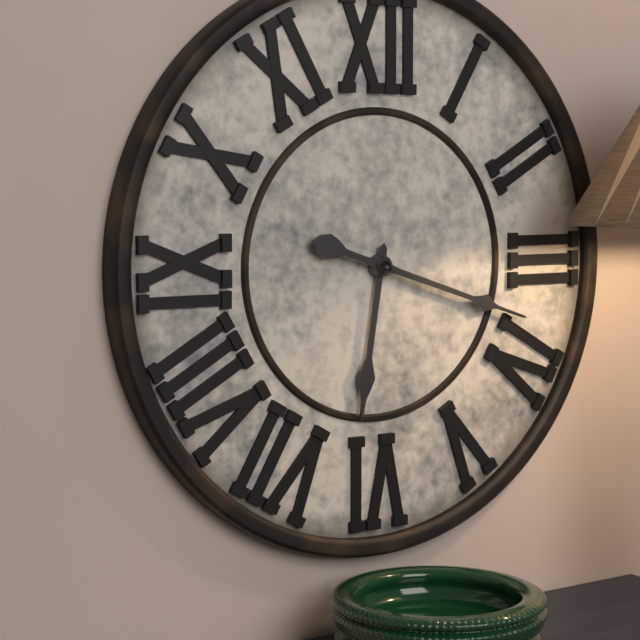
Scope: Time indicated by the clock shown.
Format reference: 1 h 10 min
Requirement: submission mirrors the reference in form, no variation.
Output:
6 h 18 min
